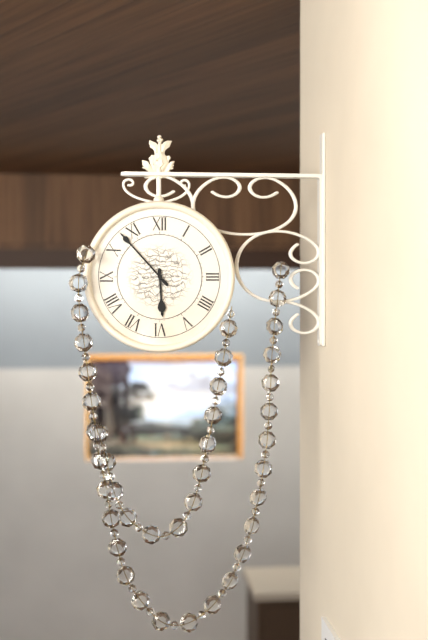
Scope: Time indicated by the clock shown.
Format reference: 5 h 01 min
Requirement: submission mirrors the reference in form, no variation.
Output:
5 h 53 min
